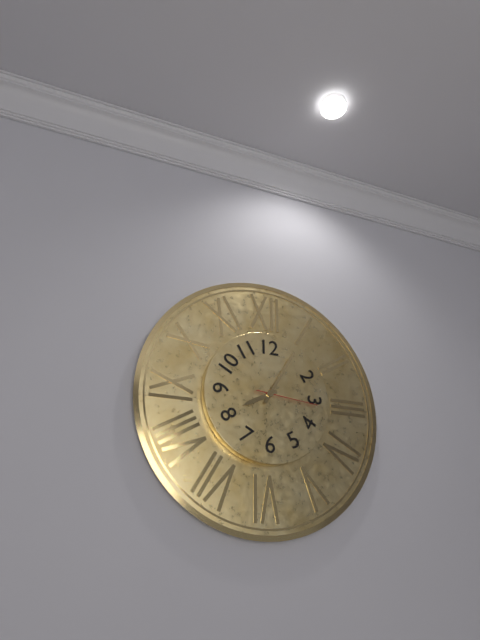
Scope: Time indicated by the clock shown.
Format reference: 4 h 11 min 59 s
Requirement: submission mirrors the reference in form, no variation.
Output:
8 h 05 min 16 s
